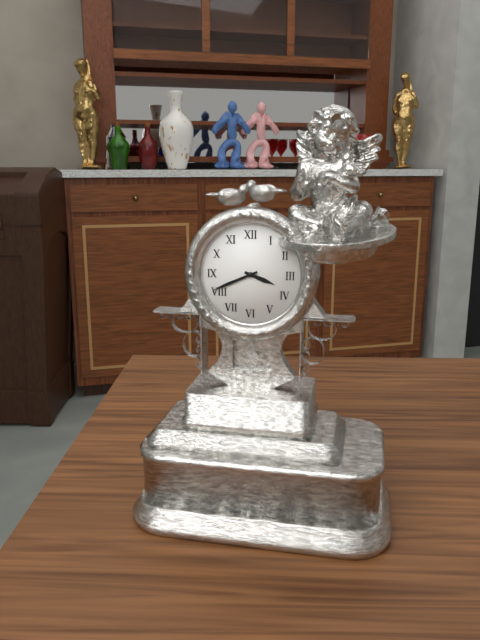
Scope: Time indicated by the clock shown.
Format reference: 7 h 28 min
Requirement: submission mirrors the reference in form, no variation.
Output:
3 h 41 min
